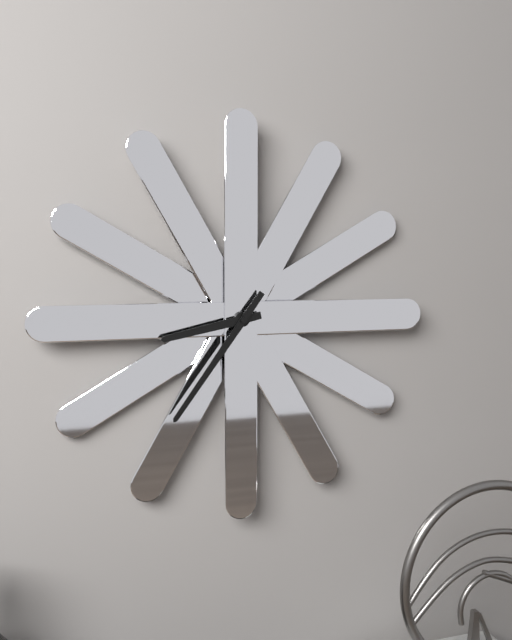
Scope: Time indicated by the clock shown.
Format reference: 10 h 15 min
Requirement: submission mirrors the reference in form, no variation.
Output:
8 h 36 min
